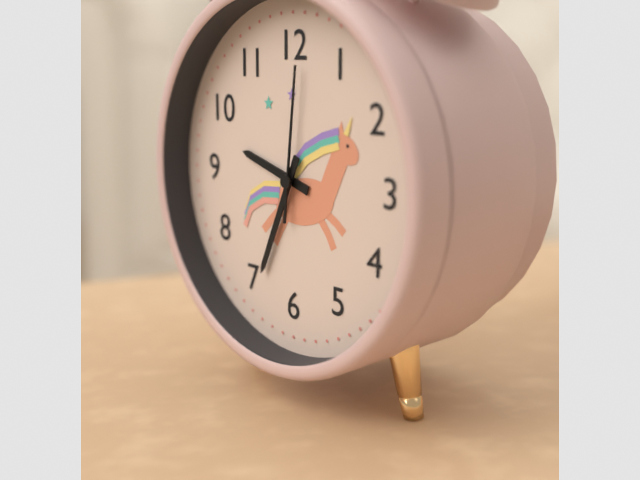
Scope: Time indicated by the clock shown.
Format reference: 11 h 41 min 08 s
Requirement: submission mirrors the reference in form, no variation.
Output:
9 h 34 min 01 s
